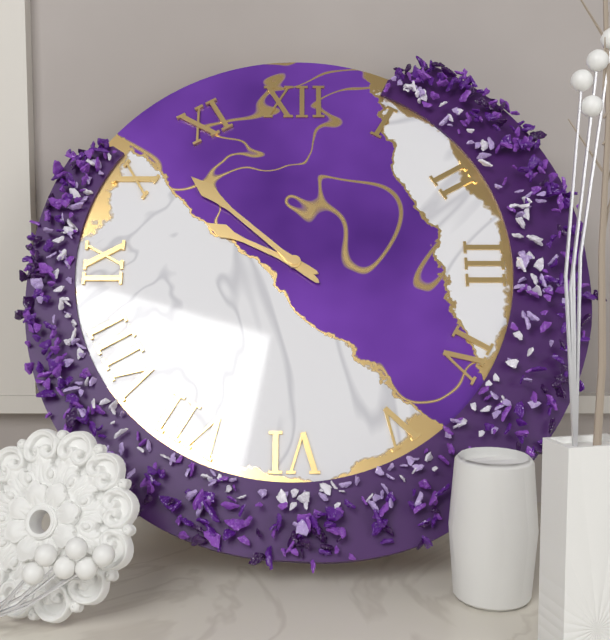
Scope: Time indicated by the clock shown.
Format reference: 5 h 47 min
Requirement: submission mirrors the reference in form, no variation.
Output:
9 h 52 min
